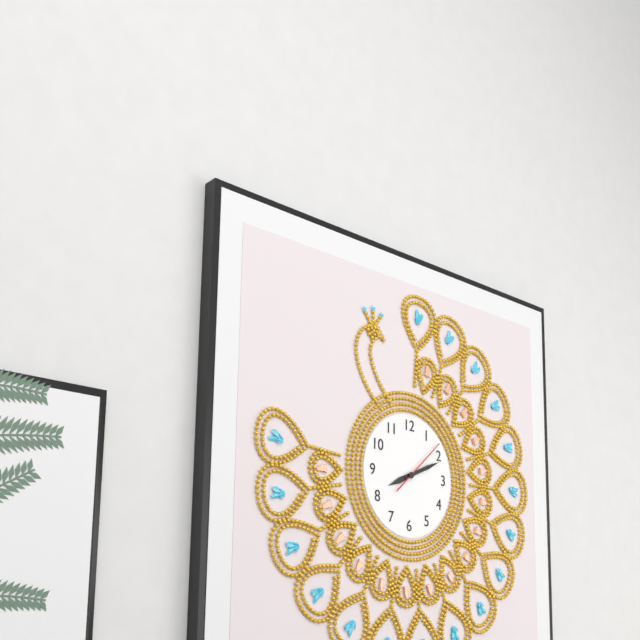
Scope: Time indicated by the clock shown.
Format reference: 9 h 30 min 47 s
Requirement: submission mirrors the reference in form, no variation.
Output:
8 h 11 min 08 s
